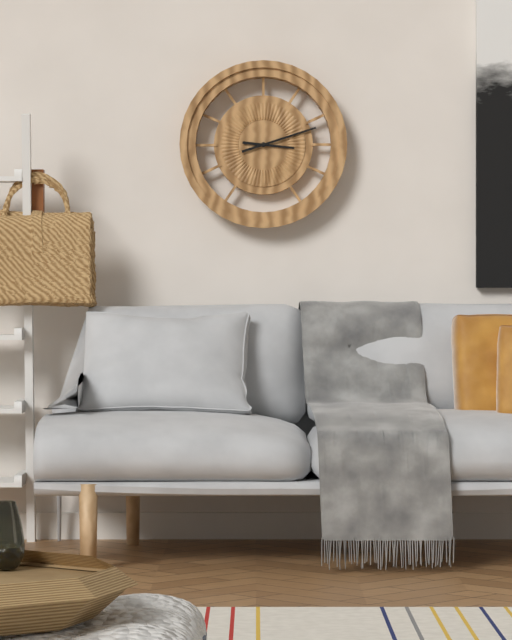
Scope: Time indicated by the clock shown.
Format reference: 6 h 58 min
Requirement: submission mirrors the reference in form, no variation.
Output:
3 h 12 min
